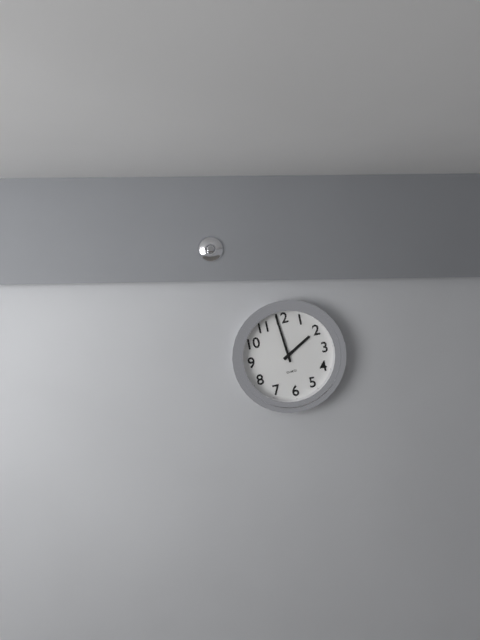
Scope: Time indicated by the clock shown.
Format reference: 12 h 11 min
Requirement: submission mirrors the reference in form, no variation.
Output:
1 h 59 min
